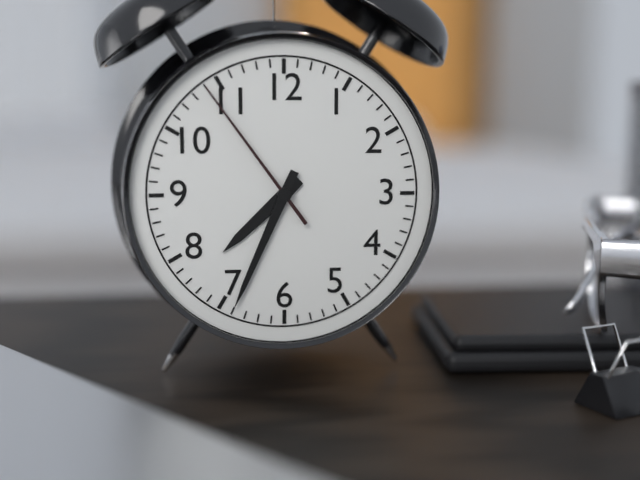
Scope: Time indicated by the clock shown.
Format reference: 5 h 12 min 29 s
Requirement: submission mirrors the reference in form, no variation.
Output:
7 h 34 min 54 s
